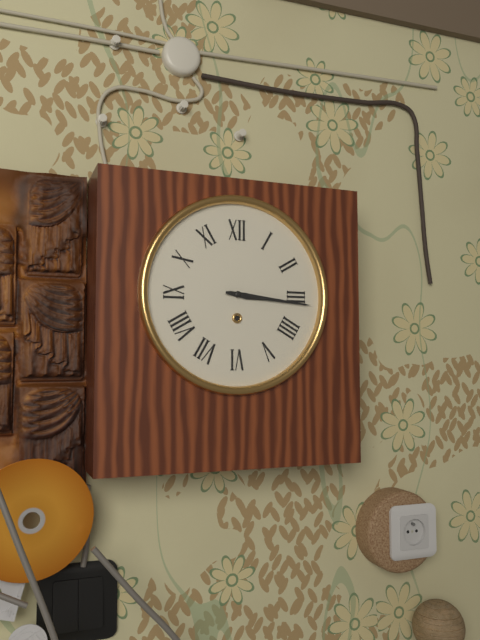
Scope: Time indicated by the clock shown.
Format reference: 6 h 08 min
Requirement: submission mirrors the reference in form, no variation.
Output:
3 h 16 min
